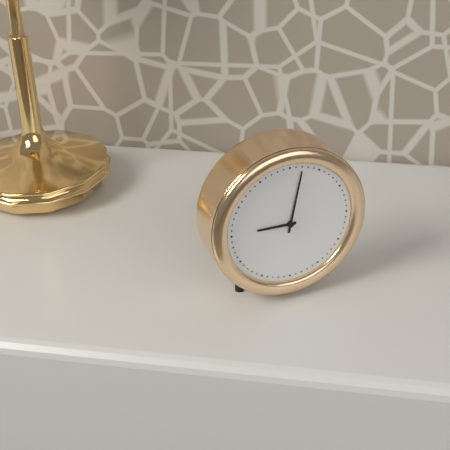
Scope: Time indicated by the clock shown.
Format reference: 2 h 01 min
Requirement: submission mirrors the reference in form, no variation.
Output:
9 h 02 min
